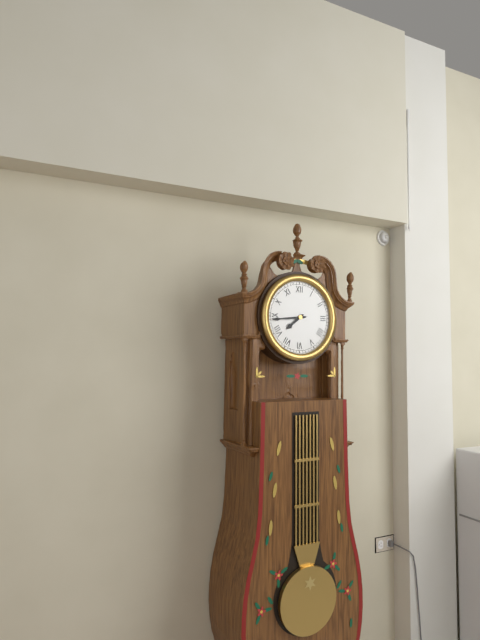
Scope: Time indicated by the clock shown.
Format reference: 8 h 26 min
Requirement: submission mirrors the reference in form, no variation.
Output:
7 h 44 min
